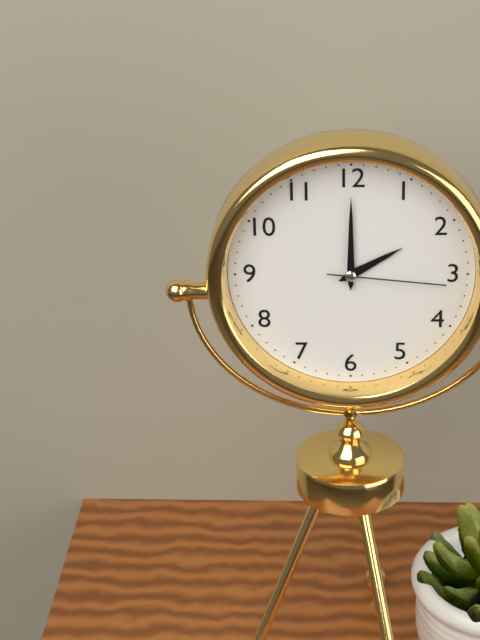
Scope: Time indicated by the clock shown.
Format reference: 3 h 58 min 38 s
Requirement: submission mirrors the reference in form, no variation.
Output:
2 h 00 min 16 s
